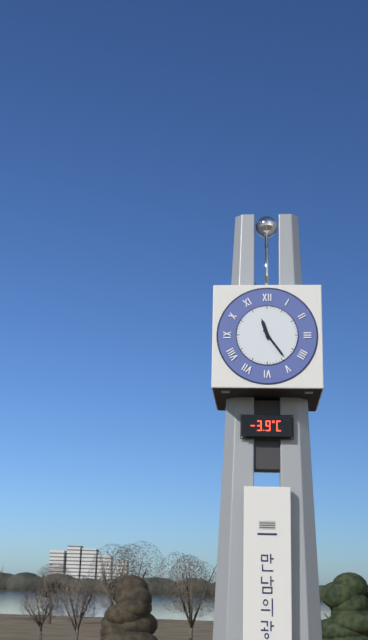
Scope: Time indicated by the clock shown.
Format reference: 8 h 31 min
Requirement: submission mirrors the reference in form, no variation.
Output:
11 h 24 min
